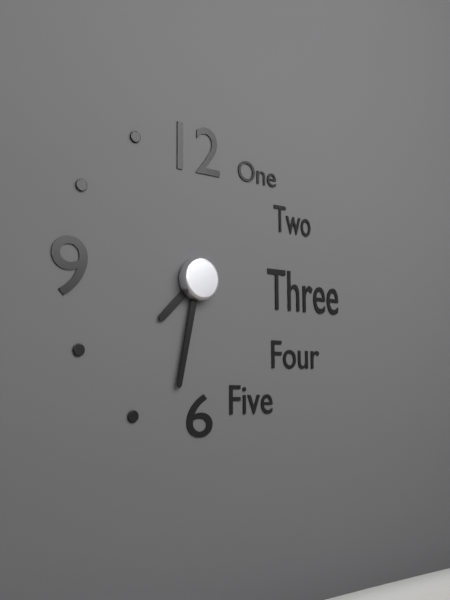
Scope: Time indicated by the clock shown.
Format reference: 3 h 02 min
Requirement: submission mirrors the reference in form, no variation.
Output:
7 h 32 min
